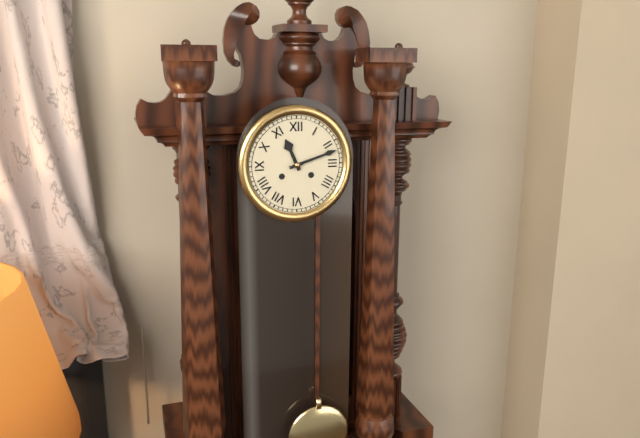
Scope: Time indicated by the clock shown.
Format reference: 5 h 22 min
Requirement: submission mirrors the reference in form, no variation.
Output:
11 h 12 min
